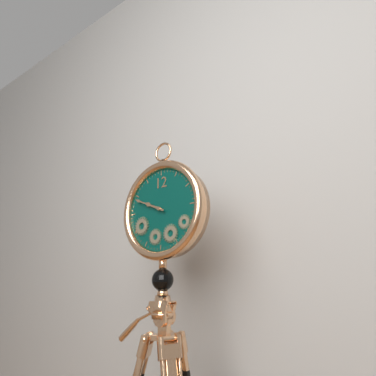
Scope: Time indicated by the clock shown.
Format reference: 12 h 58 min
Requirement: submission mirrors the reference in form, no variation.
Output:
9 h 49 min
